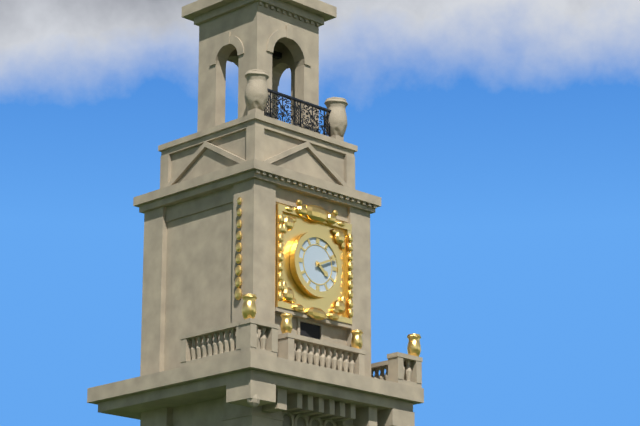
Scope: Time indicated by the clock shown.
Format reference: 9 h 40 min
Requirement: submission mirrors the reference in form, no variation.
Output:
4 h 11 min
